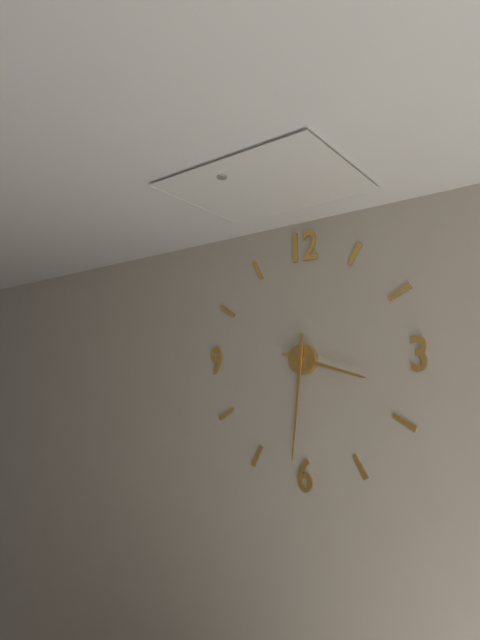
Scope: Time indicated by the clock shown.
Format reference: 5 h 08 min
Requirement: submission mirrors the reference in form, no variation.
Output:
3 h 31 min
